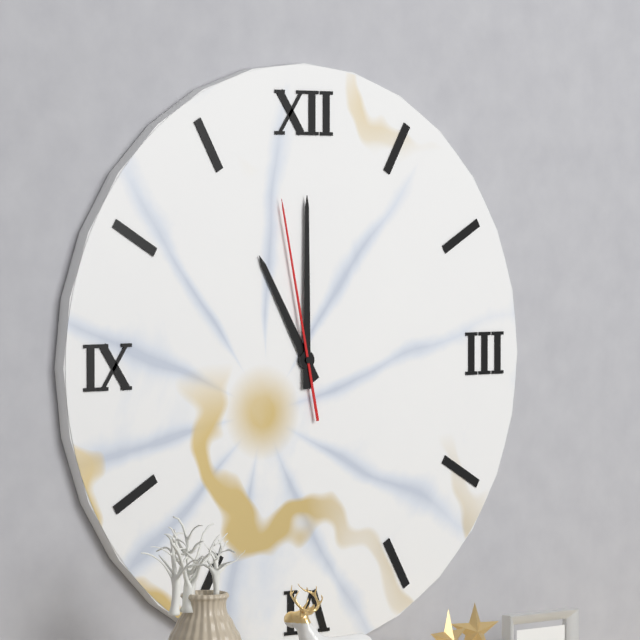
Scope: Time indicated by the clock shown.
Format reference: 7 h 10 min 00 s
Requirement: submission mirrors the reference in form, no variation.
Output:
11 h 00 min 58 s
